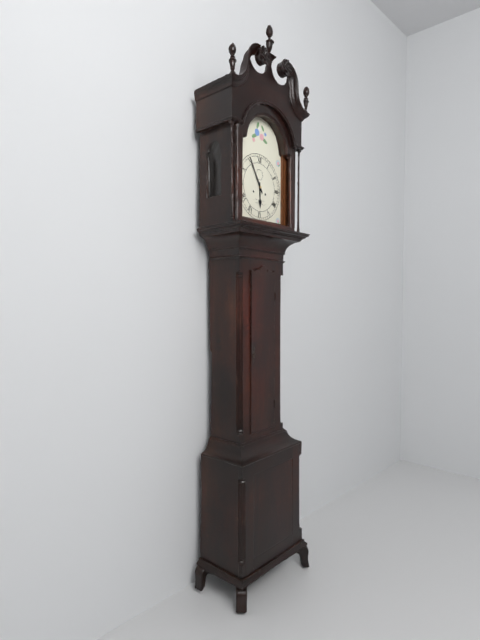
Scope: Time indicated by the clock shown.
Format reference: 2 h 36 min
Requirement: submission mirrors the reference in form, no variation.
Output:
5 h 55 min
